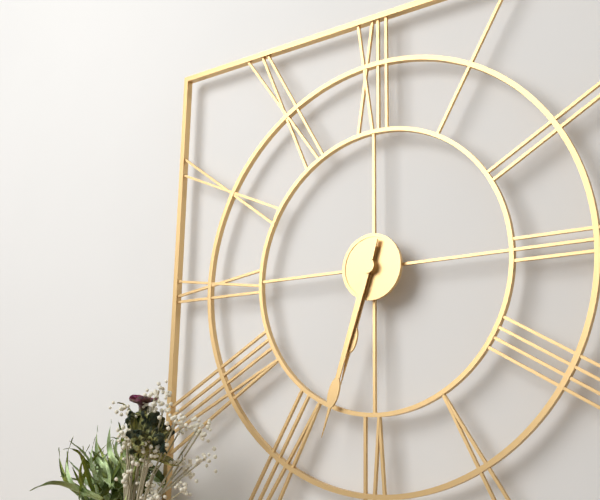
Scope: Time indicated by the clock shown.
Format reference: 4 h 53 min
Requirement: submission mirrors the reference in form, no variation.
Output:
6 h 33 min
